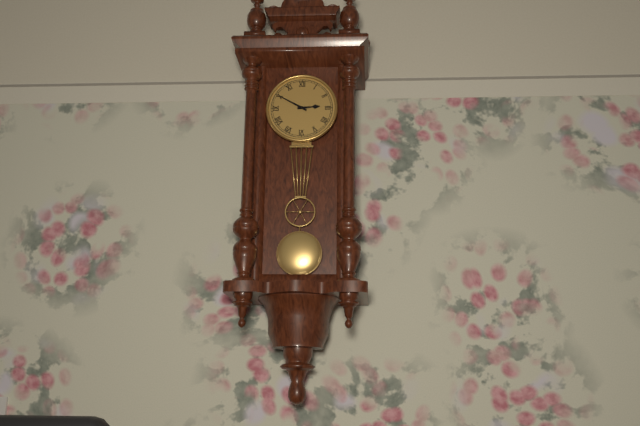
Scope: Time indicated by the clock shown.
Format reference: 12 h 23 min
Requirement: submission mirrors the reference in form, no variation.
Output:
2 h 50 min
